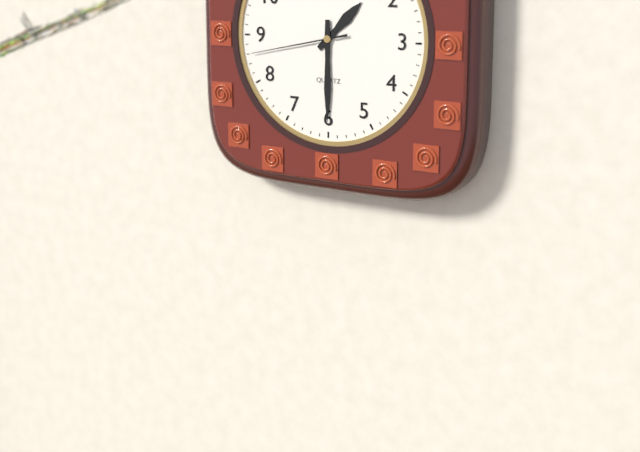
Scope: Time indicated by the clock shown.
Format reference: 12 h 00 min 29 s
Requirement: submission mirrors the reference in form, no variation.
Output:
1 h 30 min 43 s
